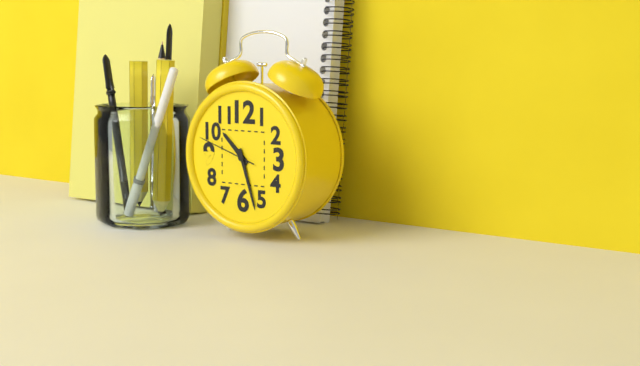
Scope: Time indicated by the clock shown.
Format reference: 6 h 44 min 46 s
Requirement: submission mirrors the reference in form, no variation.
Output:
10 h 27 min 48 s
